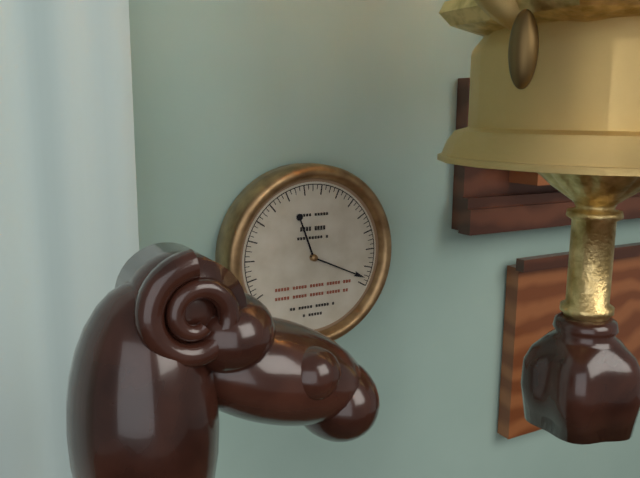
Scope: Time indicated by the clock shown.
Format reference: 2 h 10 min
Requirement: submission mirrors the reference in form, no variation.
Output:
11 h 19 min
